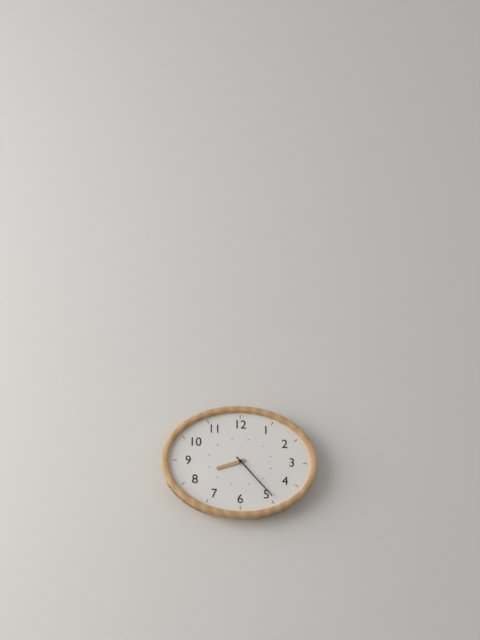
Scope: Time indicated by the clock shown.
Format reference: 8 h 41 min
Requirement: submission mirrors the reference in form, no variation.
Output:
8 h 23 min
